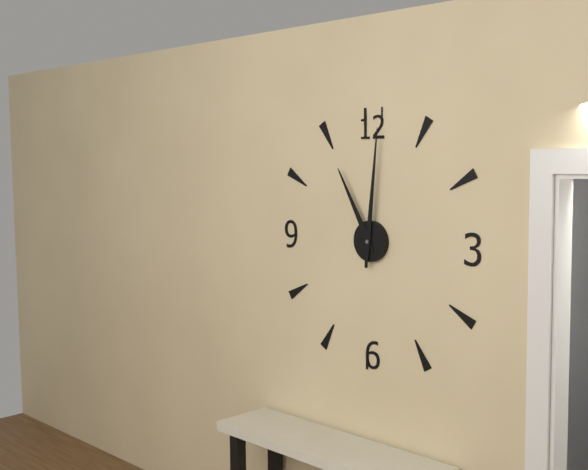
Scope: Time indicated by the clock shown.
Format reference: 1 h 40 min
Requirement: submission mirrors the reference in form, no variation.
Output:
11 h 01 min
